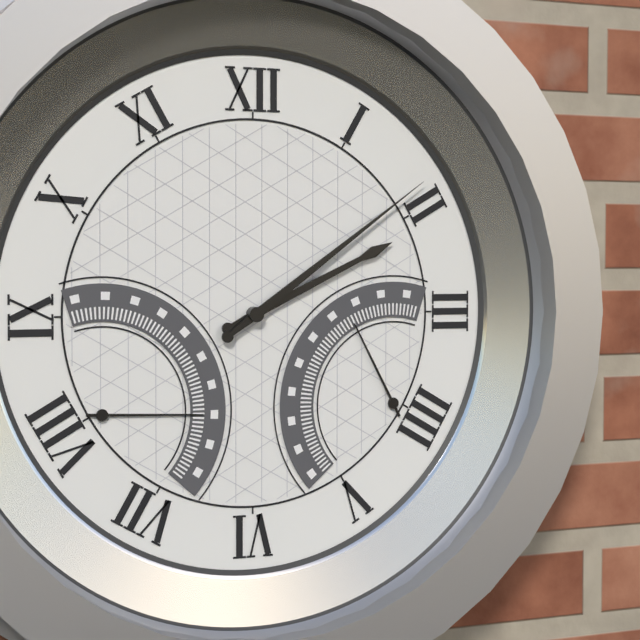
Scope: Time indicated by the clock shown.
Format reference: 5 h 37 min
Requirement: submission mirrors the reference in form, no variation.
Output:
2 h 09 min
